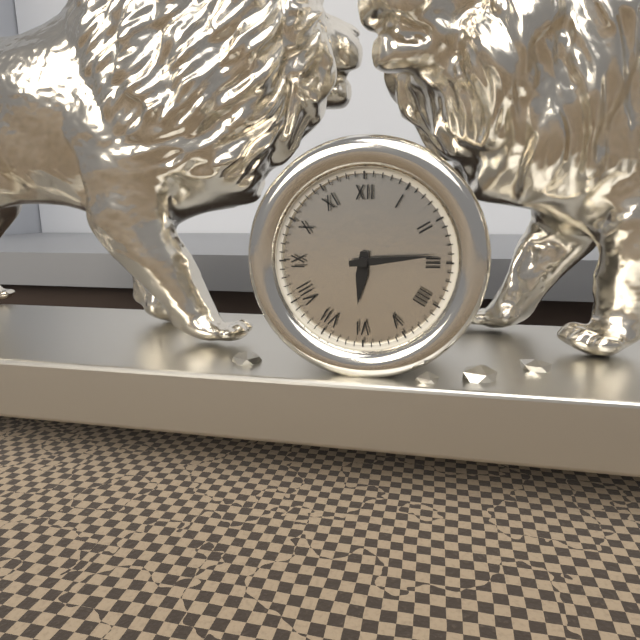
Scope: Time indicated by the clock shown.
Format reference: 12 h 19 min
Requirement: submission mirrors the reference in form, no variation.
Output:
6 h 14 min
